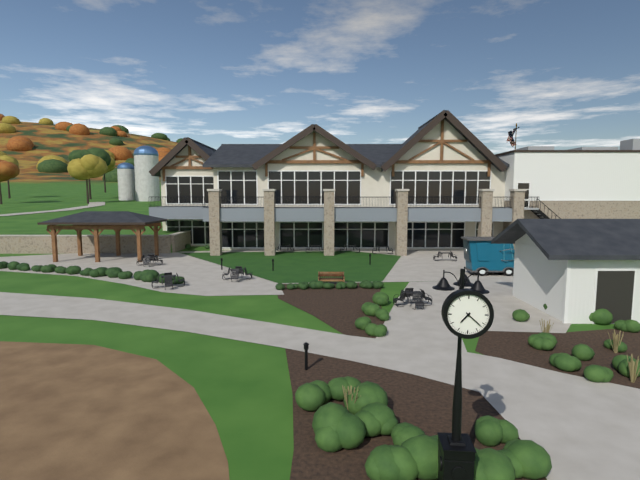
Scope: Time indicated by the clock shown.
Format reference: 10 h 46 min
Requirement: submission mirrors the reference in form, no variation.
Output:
7 h 22 min
